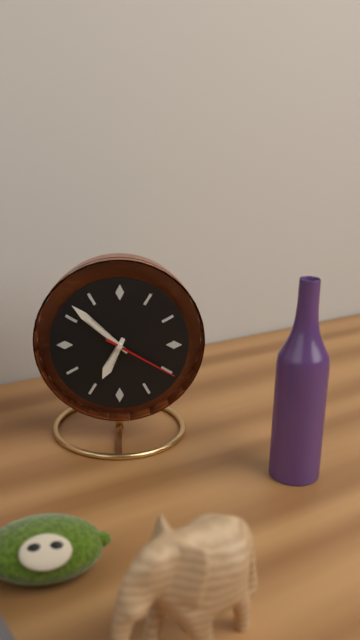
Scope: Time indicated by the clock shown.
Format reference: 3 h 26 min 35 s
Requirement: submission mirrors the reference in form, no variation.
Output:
6 h 52 min 20 s
